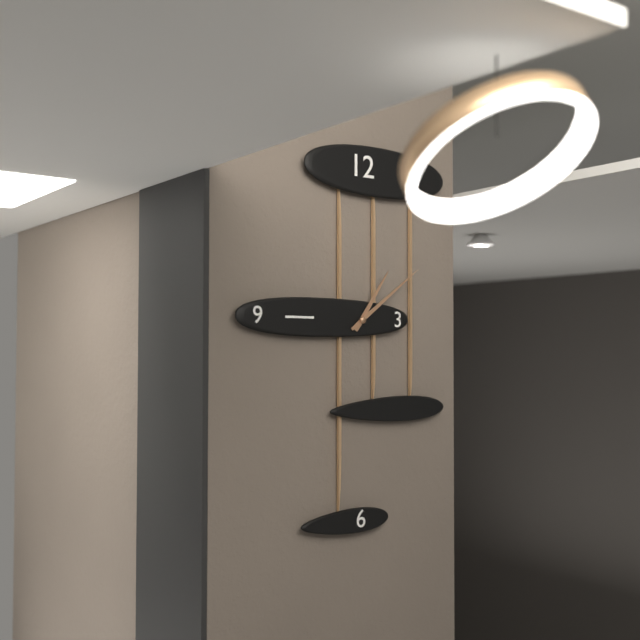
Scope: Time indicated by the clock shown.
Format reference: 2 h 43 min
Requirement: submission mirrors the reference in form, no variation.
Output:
1 h 09 min
